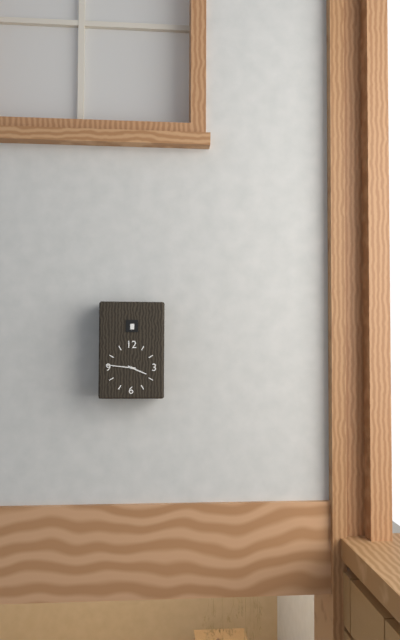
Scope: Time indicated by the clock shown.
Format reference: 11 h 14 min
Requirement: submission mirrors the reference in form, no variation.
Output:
3 h 46 min
